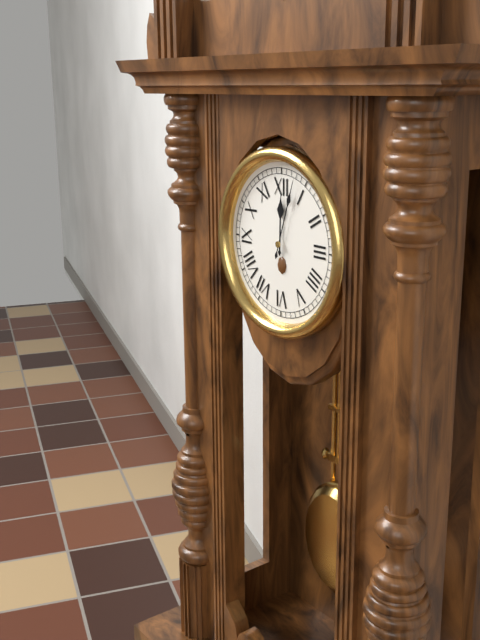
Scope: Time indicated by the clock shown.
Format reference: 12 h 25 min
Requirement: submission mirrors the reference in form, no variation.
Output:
12 h 03 min
